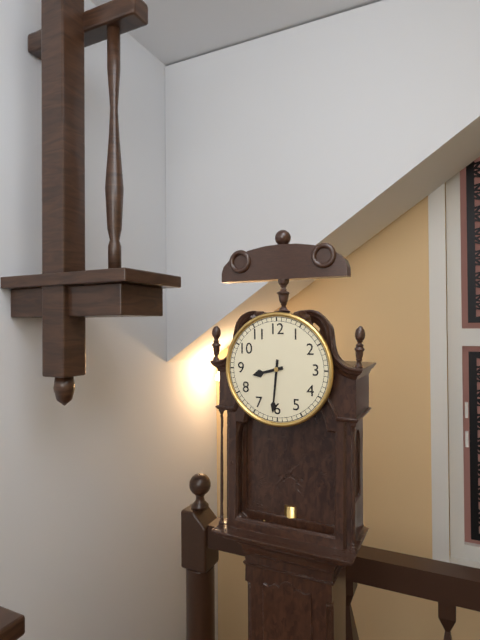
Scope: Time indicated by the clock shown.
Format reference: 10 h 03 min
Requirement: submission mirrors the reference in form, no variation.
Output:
8 h 31 min
